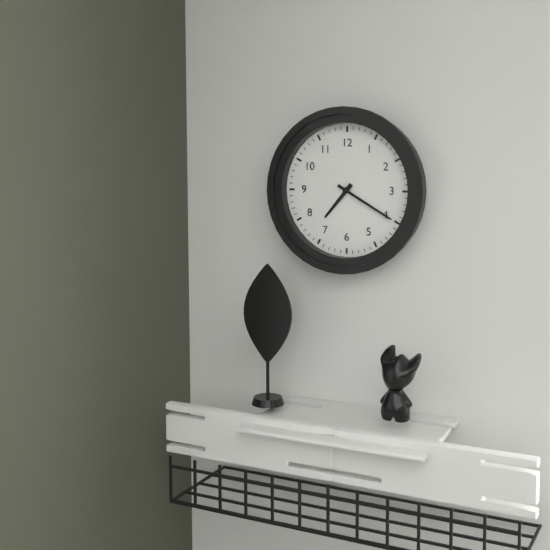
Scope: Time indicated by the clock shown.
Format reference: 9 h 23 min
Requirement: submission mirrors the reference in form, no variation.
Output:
7 h 20 min
